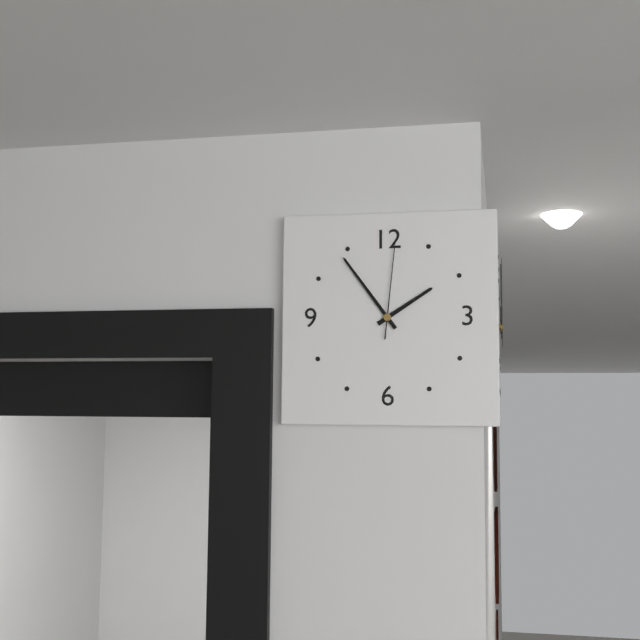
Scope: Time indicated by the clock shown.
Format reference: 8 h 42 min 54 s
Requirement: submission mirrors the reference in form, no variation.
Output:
1 h 54 min 01 s
